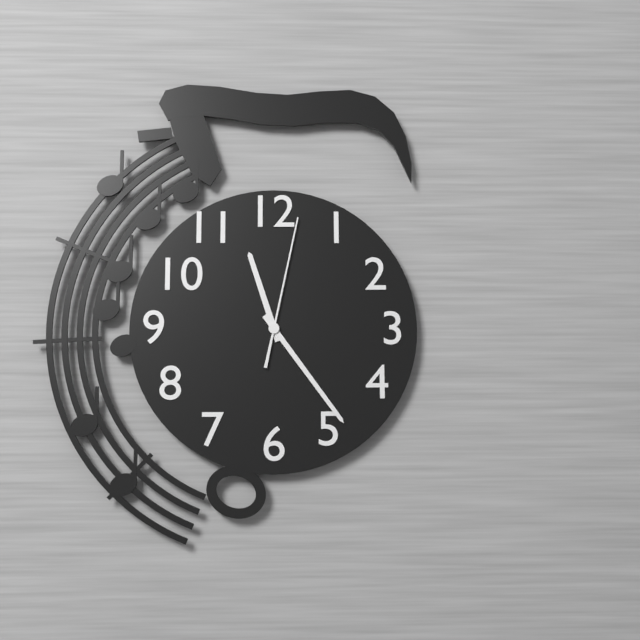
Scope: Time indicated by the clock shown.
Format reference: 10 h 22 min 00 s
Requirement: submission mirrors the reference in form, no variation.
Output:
11 h 24 min 02 s
